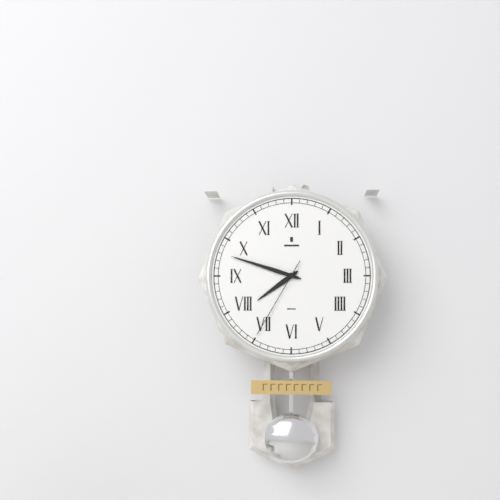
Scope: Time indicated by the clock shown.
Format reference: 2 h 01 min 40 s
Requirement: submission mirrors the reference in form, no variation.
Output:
7 h 48 min 35 s
